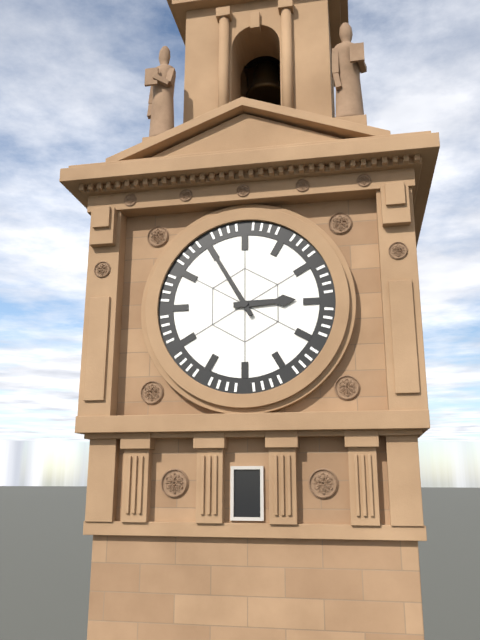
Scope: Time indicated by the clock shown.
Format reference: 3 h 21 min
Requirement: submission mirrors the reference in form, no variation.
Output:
2 h 55 min
